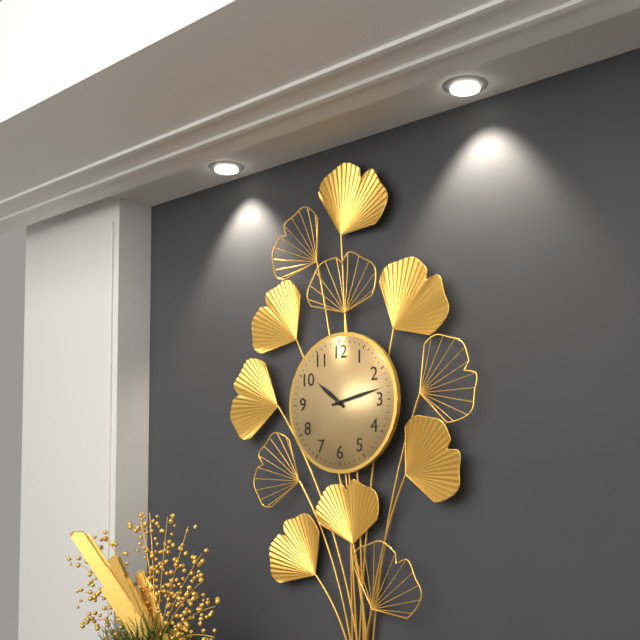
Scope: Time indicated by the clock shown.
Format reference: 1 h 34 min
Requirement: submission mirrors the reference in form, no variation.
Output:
10 h 13 min
